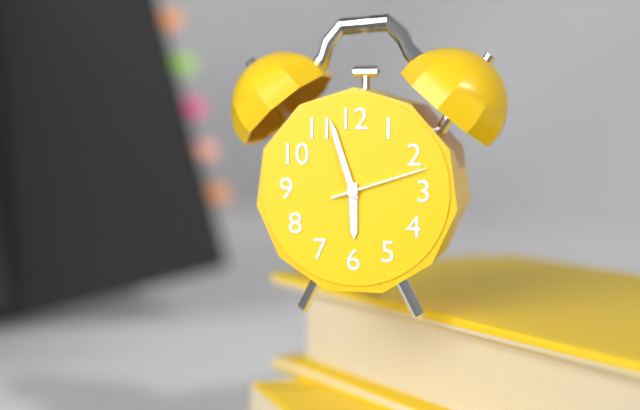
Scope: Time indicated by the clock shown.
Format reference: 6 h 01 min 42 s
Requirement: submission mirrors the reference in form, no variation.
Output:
5 h 57 min 12 s
